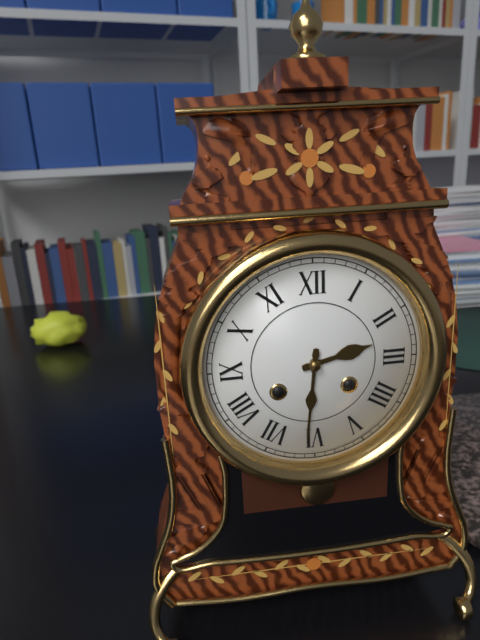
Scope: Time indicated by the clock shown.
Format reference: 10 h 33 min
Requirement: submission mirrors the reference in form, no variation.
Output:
2 h 31 min
